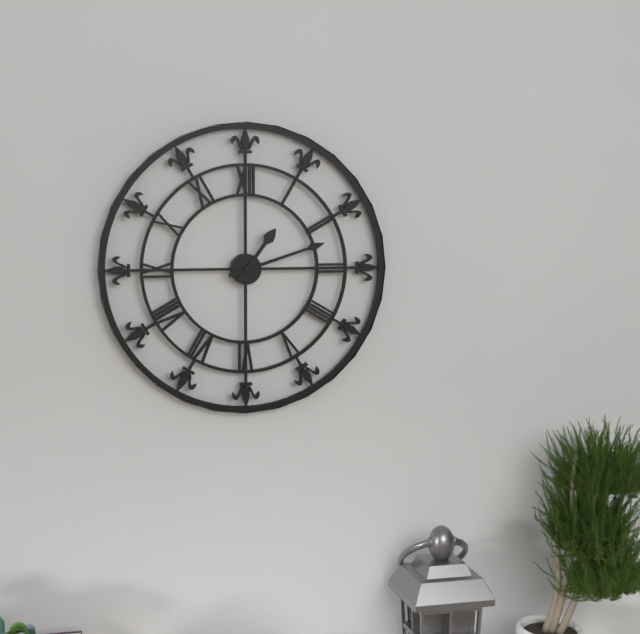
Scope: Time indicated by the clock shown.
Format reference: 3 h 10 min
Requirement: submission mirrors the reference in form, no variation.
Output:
1 h 12 min
